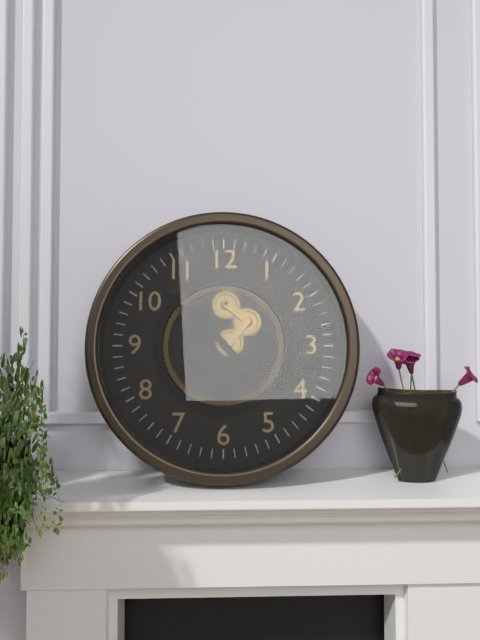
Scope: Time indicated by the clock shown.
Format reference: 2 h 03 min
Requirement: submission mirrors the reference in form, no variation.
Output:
10 h 52 min
